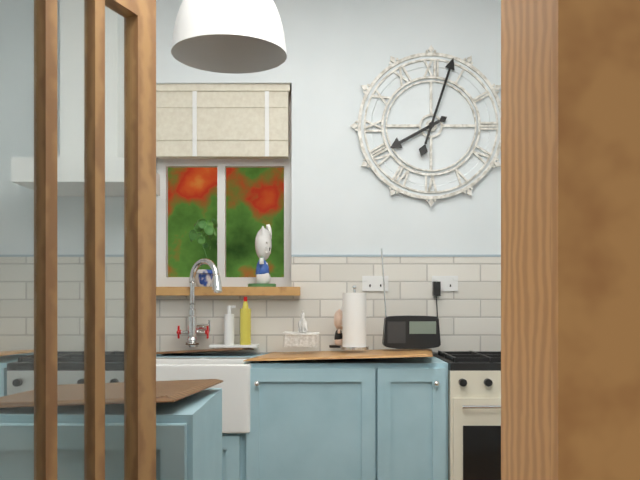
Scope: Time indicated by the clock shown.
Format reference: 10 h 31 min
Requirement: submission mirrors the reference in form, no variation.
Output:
8 h 03 min
